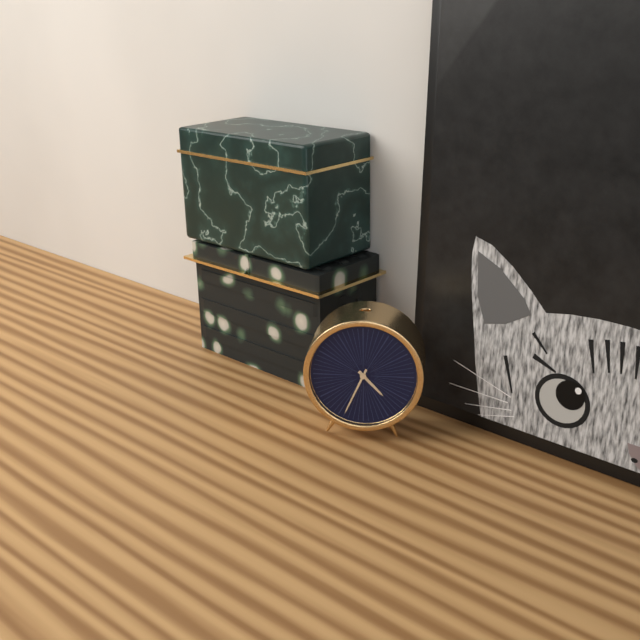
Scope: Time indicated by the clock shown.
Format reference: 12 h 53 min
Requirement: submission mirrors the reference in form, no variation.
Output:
4 h 34 min
